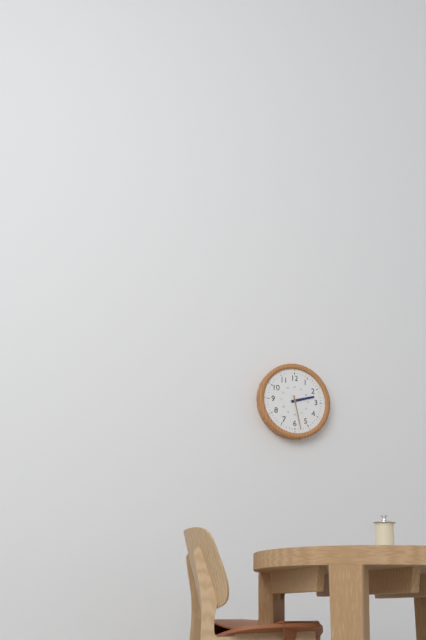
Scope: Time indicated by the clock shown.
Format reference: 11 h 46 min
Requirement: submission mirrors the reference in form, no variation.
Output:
2 h 28 min
